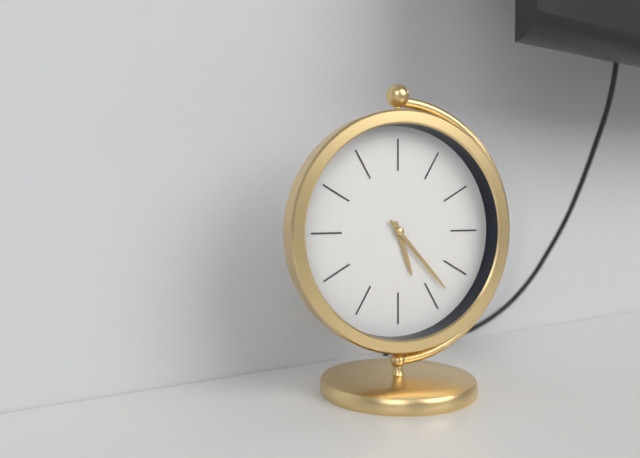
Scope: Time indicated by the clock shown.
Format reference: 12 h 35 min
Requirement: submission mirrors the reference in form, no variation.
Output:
5 h 23 min
